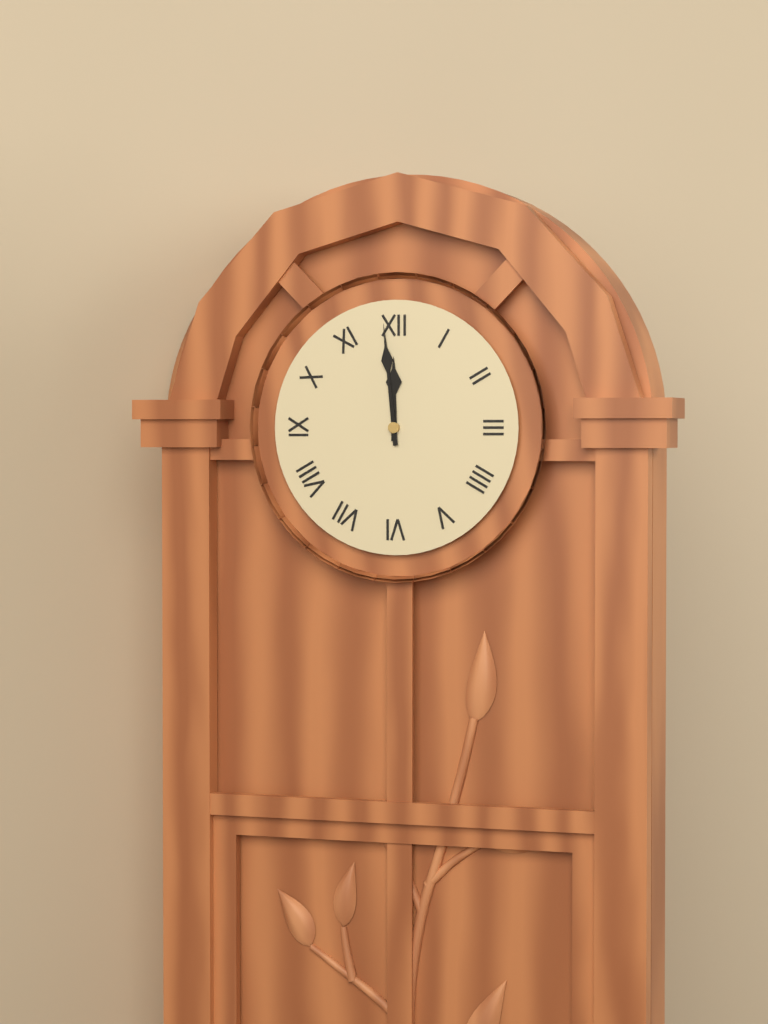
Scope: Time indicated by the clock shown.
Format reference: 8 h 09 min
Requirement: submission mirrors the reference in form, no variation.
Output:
11 h 59 min
